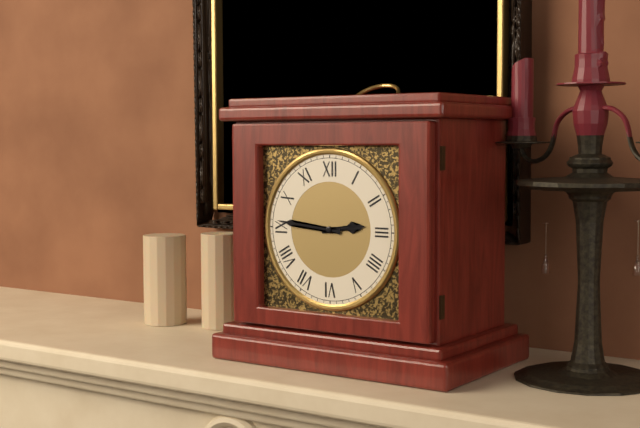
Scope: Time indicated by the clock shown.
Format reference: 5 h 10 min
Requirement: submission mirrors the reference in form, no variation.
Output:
2 h 46 min
